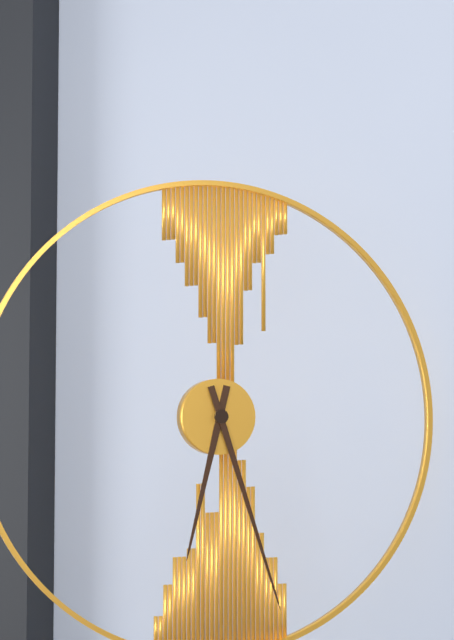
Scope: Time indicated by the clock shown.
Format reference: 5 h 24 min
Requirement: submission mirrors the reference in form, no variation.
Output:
6 h 27 min
